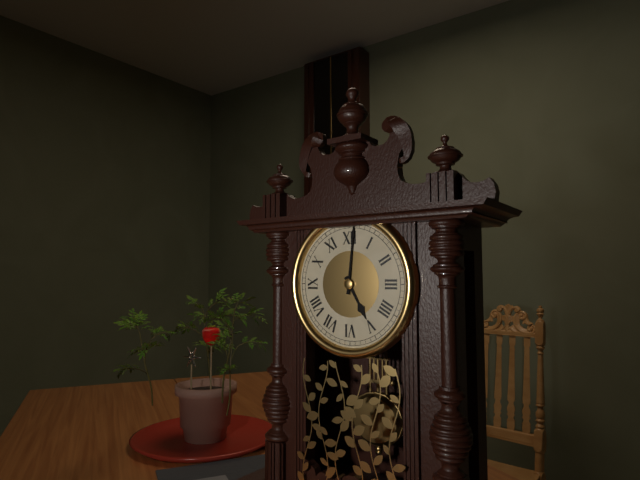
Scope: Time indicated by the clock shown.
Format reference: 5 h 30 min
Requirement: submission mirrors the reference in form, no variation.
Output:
5 h 01 min
